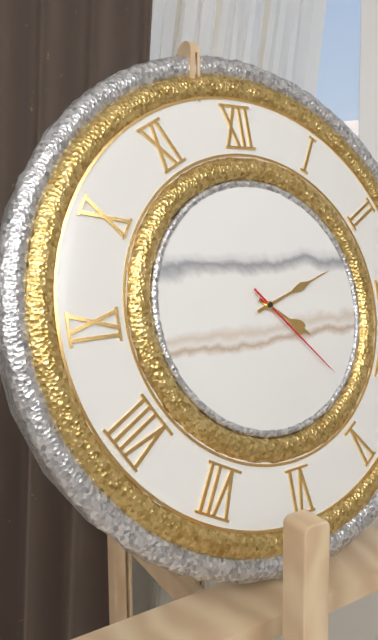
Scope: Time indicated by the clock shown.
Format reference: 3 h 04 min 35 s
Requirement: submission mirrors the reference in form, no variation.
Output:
4 h 12 min 23 s
